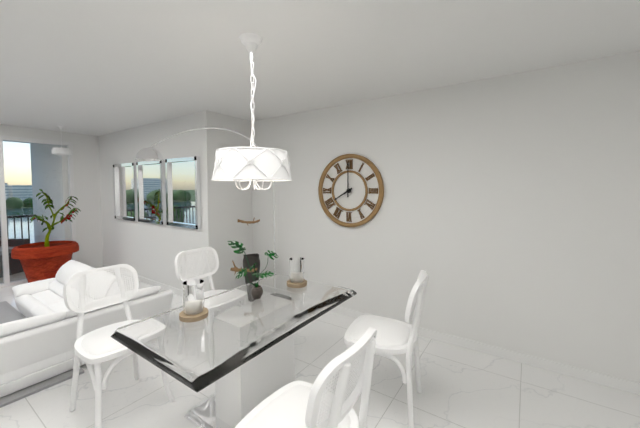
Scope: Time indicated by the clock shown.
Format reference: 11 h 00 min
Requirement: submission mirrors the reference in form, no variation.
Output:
8 h 00 min
